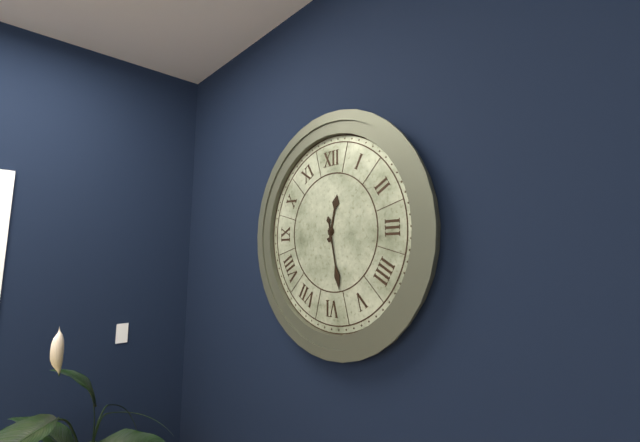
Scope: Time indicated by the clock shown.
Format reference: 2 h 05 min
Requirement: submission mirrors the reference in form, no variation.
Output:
12 h 28 min
